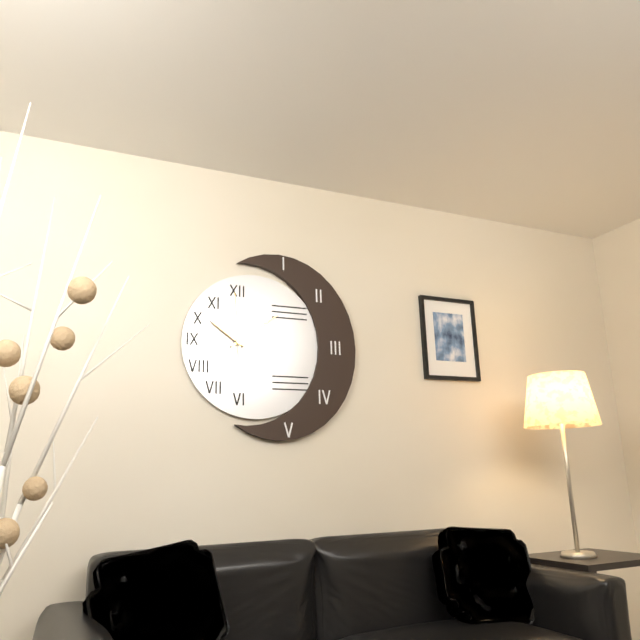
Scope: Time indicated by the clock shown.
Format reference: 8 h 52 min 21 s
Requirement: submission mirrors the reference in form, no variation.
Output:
10 h 09 min 59 s
